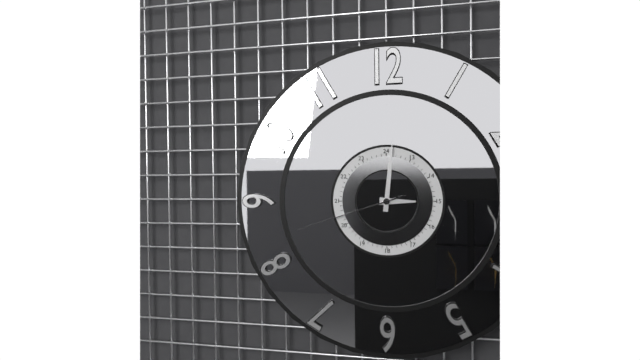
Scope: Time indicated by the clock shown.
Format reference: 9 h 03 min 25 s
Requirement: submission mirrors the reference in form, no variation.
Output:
3 h 01 min 42 s
